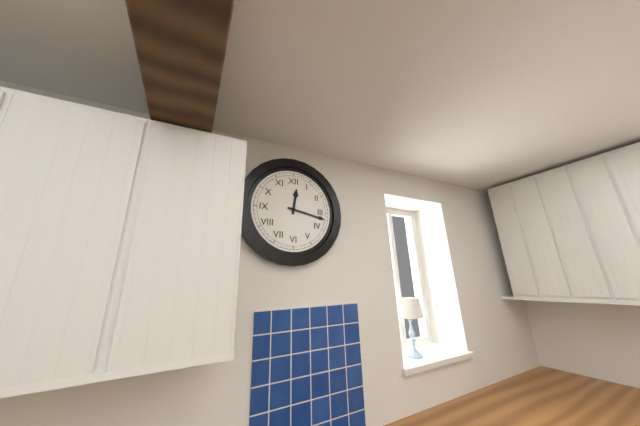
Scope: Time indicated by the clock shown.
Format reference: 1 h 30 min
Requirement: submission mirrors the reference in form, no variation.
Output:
12 h 17 min
